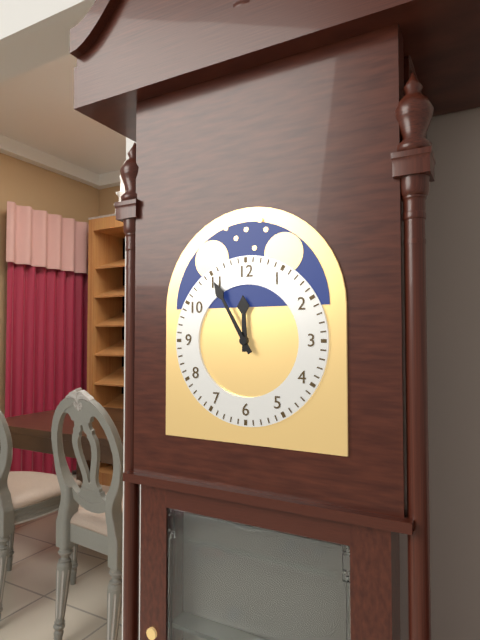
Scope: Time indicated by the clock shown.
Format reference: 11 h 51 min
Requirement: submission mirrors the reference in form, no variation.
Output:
11 h 55 min
